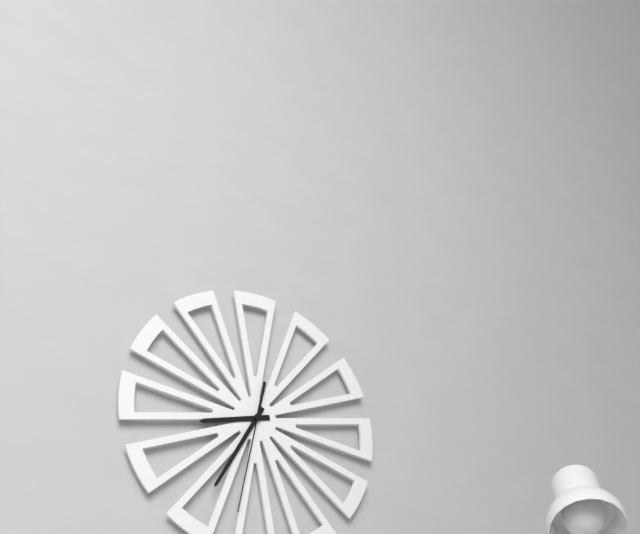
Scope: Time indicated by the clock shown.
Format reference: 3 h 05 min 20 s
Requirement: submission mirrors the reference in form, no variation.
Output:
8 h 35 min 32 s
